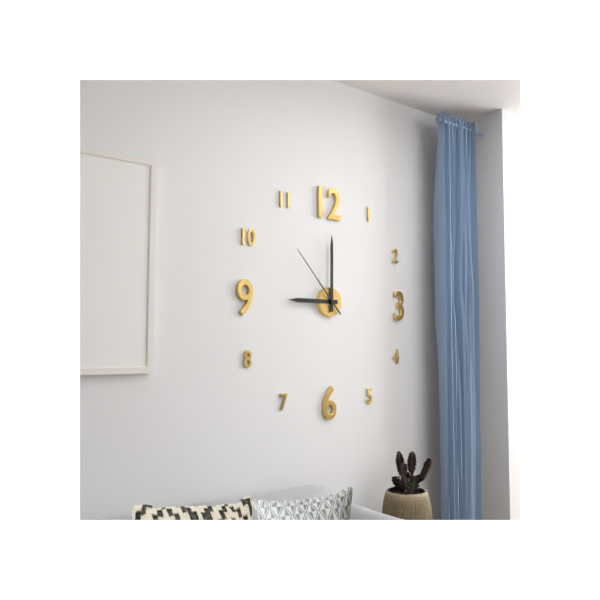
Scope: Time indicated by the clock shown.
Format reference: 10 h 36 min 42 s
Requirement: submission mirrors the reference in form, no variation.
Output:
9 h 00 min 53 s
